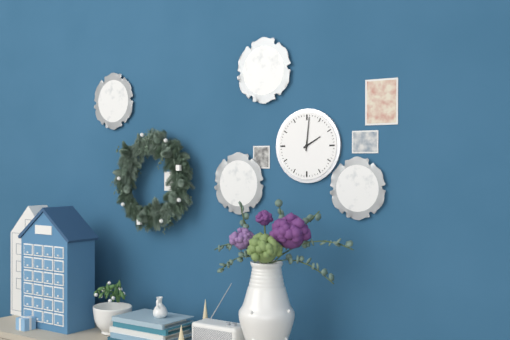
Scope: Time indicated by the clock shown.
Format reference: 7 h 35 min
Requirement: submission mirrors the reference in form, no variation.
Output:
2 h 01 min
